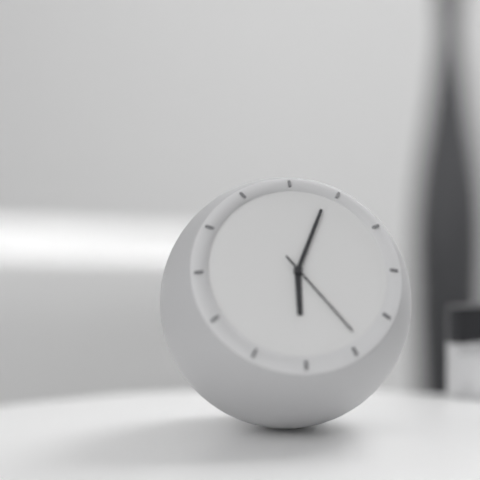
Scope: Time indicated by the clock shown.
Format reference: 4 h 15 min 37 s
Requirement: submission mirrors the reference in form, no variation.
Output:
6 h 04 min 24 s
